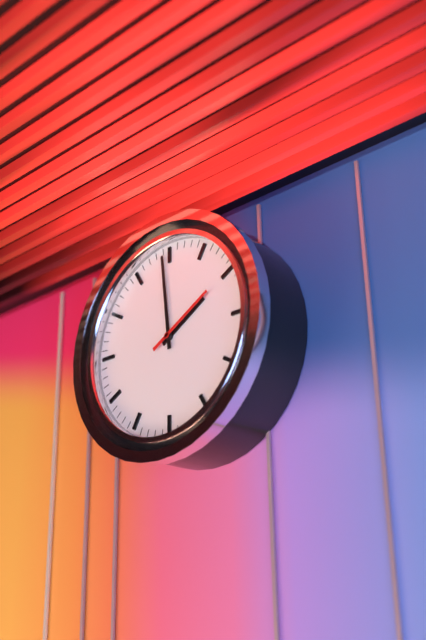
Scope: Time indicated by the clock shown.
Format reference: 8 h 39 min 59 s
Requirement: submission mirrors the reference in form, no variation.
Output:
1 h 59 min 10 s
